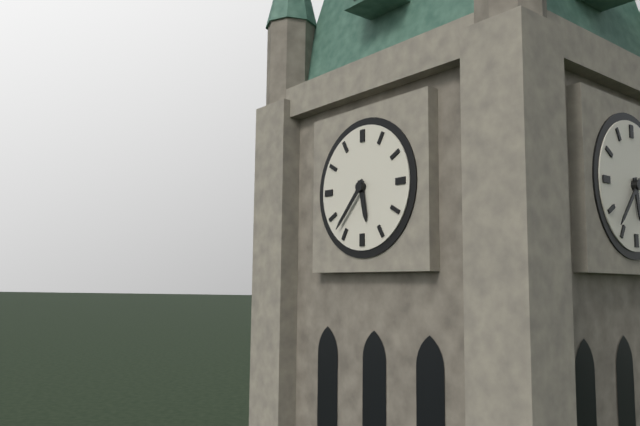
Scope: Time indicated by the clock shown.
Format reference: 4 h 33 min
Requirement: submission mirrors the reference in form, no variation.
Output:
5 h 37 min
